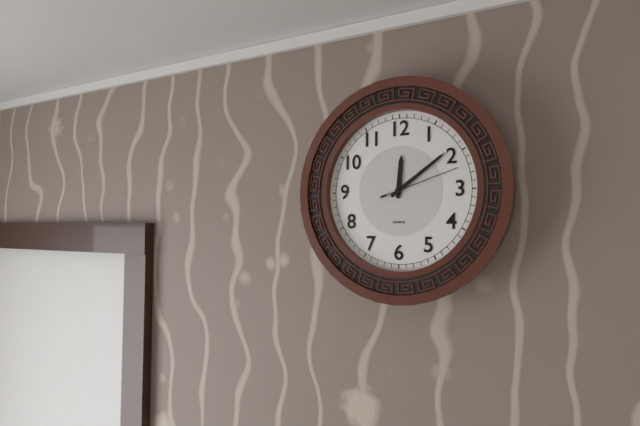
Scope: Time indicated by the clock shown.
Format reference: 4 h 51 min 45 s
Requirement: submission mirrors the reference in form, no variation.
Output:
12 h 09 min 12 s
